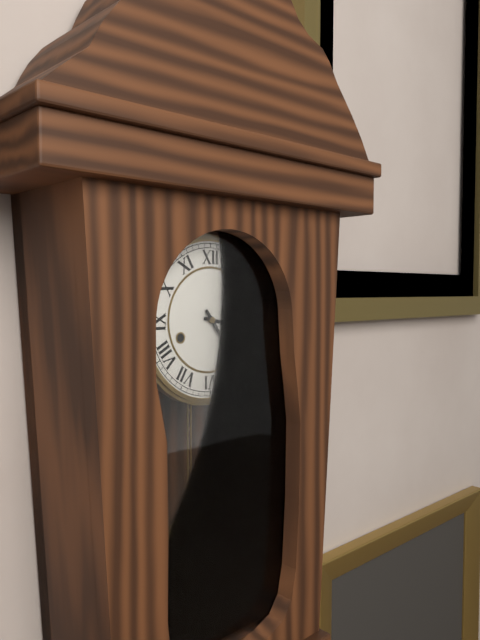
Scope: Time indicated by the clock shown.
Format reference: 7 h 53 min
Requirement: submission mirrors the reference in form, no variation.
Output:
3 h 24 min
